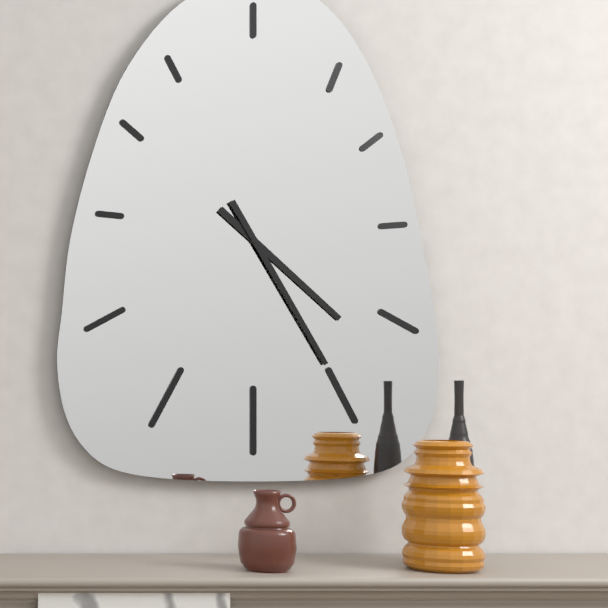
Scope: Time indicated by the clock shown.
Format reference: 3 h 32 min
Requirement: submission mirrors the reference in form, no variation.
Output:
4 h 25 min
